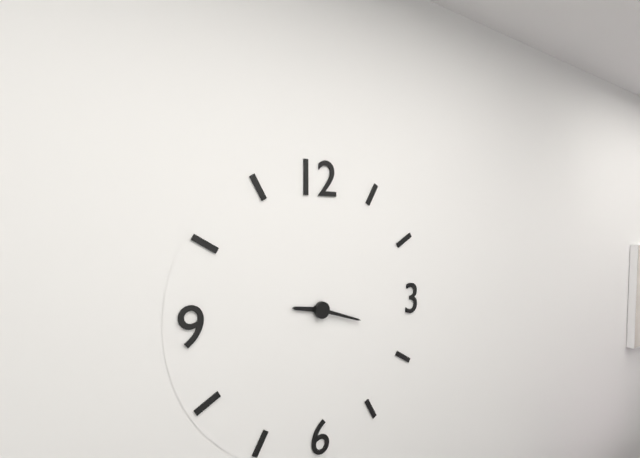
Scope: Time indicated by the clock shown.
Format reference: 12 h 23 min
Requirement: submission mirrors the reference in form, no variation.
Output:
9 h 18 min
